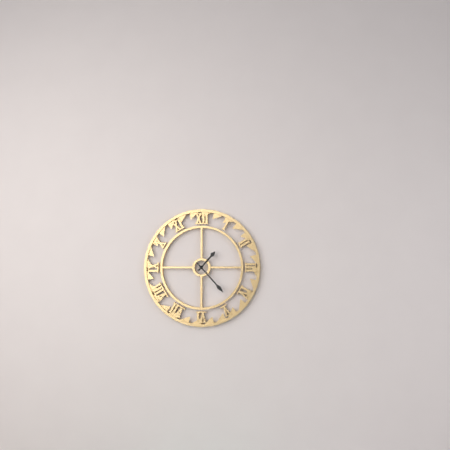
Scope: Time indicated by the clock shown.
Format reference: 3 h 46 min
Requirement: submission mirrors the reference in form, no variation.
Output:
1 h 23 min
